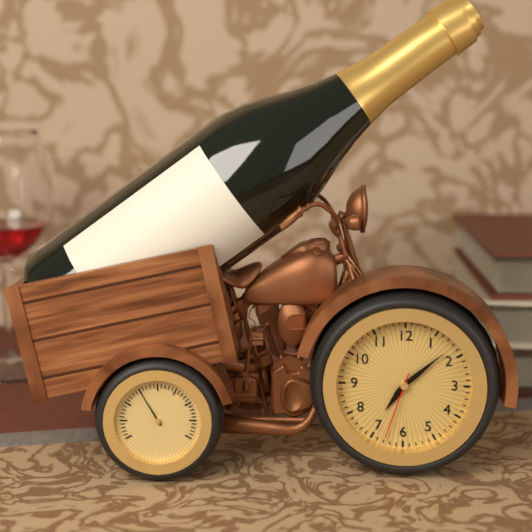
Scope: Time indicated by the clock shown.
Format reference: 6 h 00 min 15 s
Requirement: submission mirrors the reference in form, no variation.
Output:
7 h 08 min 33 s
